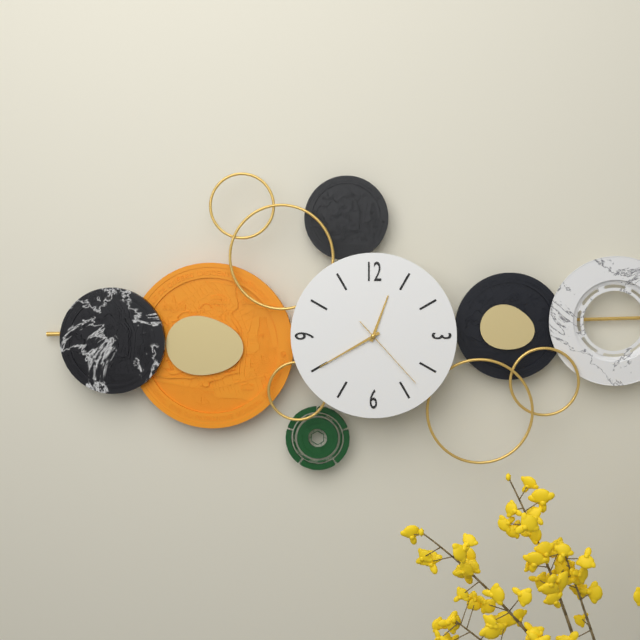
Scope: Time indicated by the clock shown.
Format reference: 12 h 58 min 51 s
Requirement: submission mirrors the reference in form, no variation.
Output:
12 h 40 min 23 s
